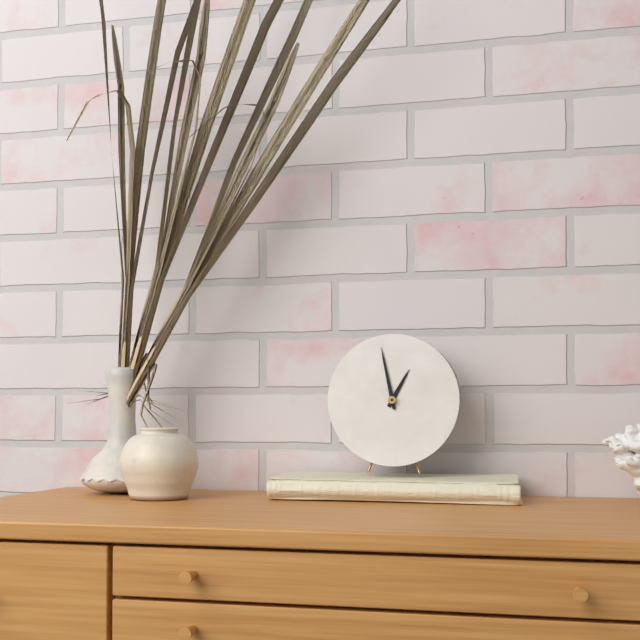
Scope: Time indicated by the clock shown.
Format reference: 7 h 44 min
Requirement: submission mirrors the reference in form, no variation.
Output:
12 h 58 min
